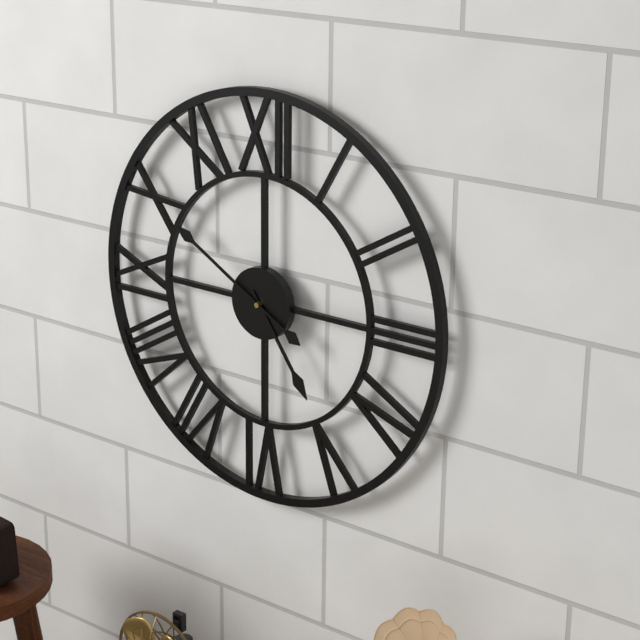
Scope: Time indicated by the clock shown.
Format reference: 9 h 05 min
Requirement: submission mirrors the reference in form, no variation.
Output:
4 h 50 min
